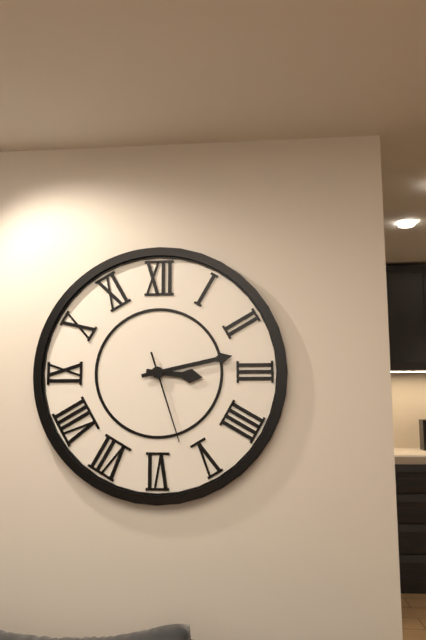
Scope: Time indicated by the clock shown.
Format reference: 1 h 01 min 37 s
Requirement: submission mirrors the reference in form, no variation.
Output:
3 h 13 min 27 s
